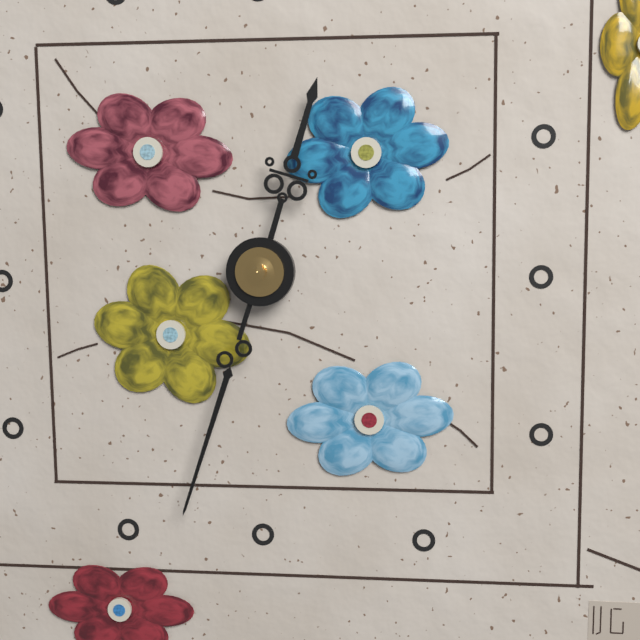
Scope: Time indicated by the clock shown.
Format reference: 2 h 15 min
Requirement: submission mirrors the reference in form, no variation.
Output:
12 h 33 min
